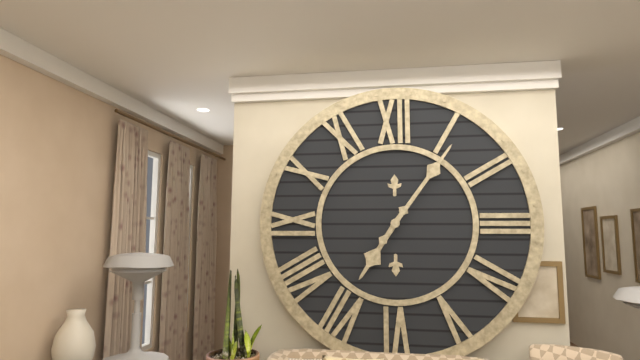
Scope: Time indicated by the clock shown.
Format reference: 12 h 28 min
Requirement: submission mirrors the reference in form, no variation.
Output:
7 h 06 min
